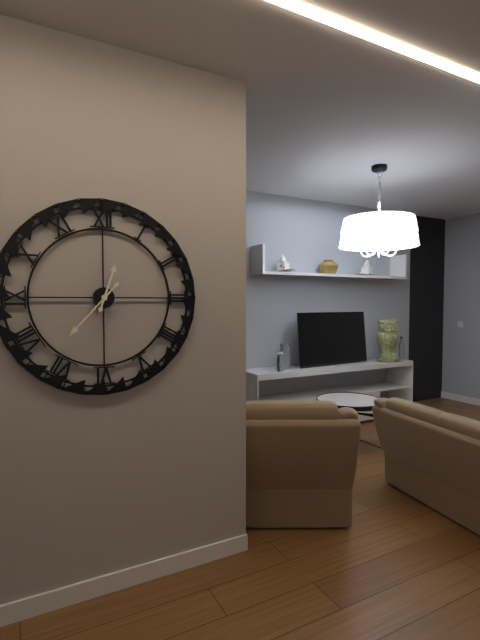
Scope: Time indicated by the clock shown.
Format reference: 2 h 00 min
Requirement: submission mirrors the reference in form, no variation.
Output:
12 h 37 min
